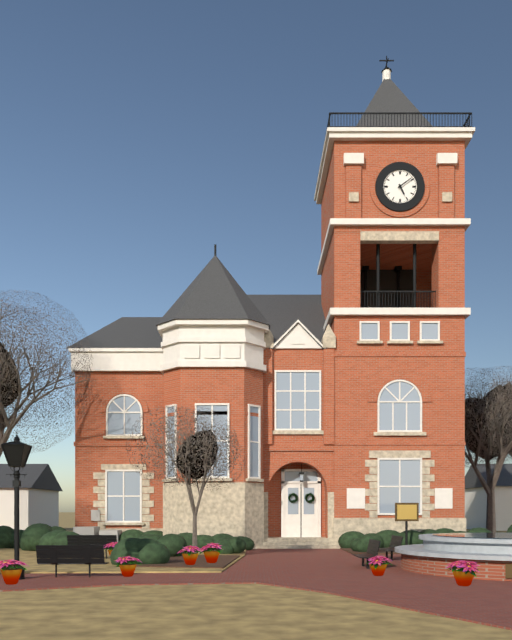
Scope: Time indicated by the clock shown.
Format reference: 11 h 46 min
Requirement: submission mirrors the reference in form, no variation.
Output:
5 h 09 min
